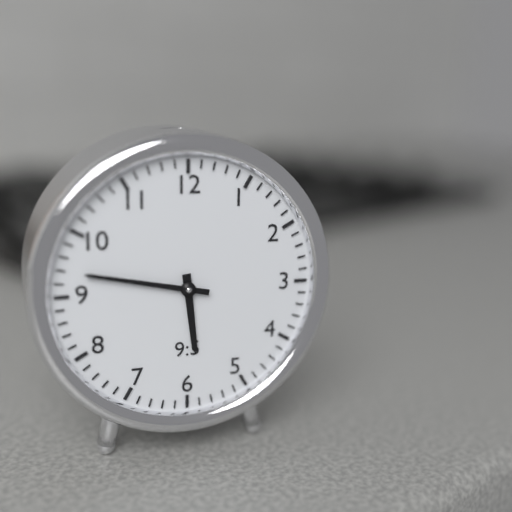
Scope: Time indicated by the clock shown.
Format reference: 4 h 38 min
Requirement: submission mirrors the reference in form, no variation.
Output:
5 h 47 min
